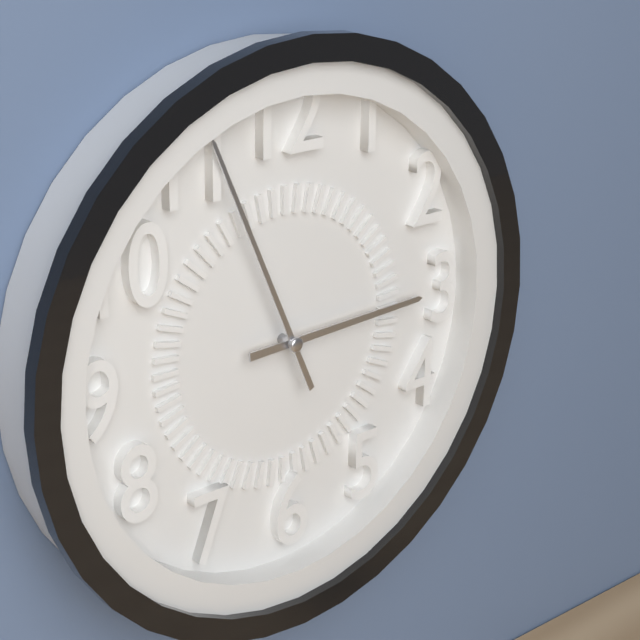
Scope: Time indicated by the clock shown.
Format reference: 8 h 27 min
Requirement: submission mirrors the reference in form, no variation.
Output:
2 h 56 min
